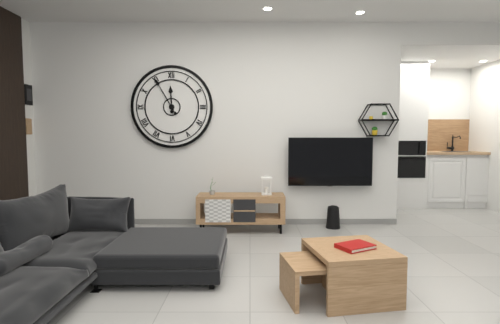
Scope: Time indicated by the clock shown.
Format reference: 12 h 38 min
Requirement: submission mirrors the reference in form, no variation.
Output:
11 h 55 min
